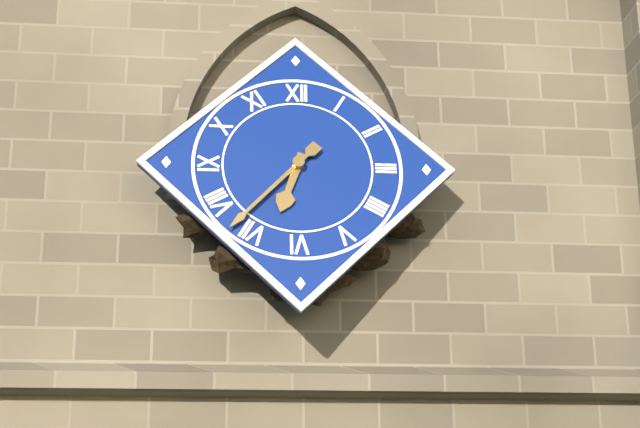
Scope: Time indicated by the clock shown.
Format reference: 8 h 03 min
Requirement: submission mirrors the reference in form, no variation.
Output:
6 h 37 min
